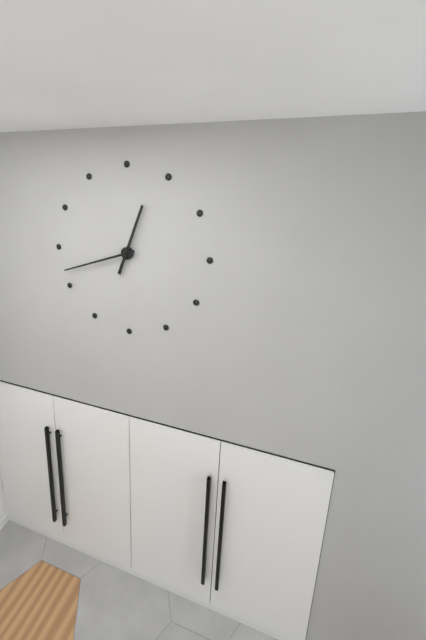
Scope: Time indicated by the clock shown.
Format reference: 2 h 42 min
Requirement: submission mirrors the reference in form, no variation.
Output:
12 h 42 min
